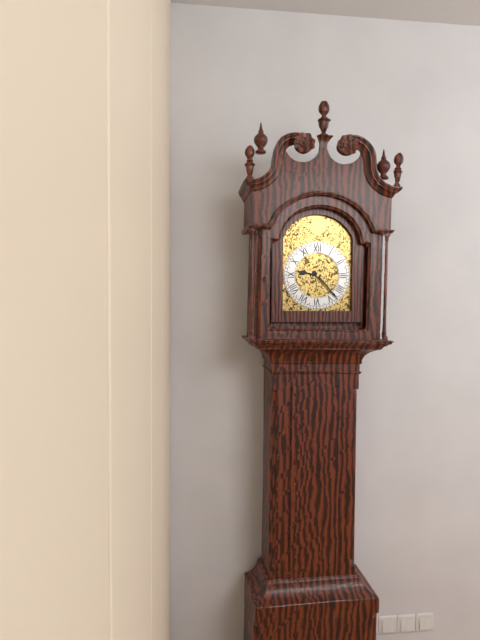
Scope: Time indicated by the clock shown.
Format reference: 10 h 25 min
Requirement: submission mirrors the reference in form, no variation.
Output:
9 h 23 min
